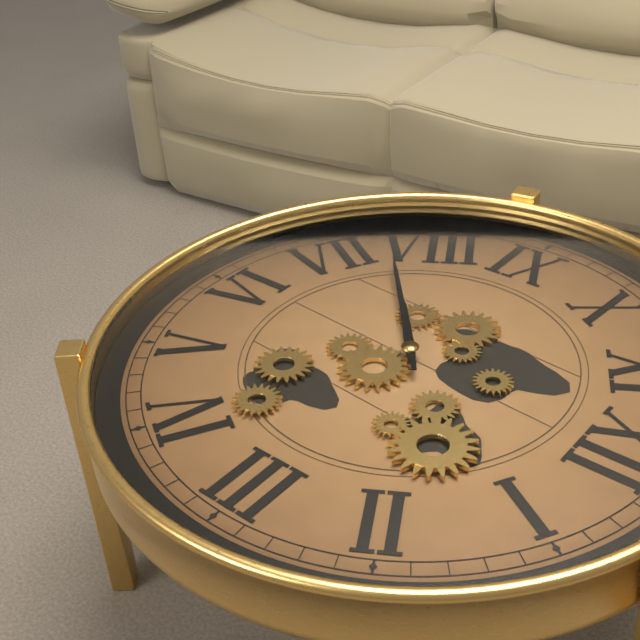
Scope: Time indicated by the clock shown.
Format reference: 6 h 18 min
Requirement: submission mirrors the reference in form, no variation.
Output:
7 h 38 min
